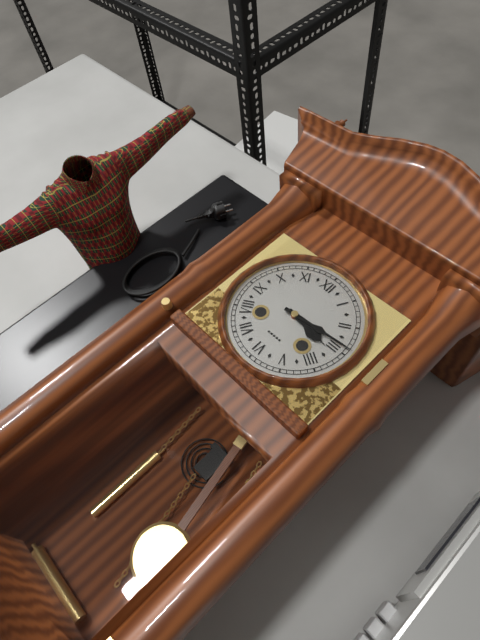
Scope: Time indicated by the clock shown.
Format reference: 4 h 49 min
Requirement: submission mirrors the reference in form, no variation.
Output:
3 h 14 min
